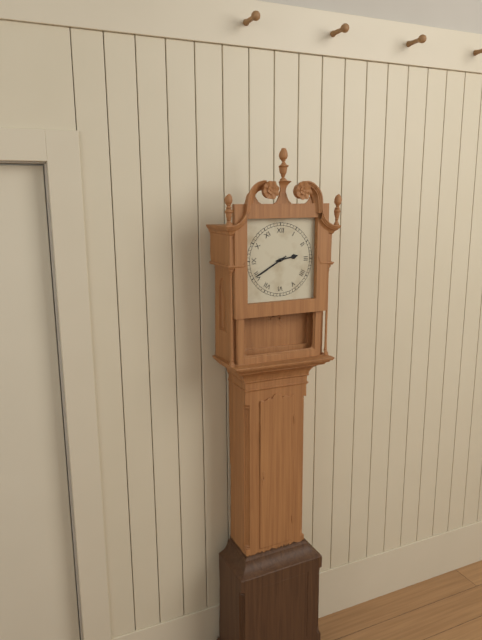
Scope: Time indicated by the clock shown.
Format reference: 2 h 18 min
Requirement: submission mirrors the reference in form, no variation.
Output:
2 h 40 min
